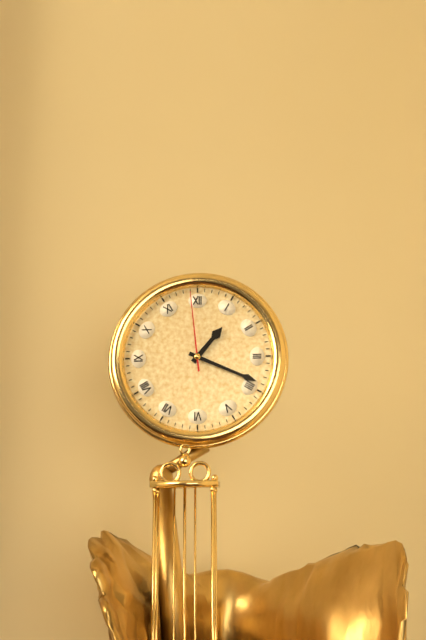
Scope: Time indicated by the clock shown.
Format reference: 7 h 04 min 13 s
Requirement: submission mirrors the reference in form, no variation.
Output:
1 h 19 min 59 s
